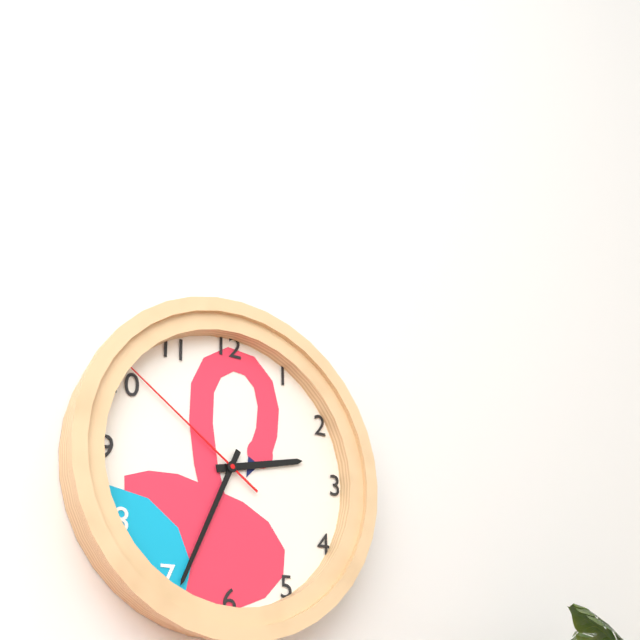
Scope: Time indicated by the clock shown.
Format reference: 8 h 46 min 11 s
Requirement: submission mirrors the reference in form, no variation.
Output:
2 h 34 min 51 s
